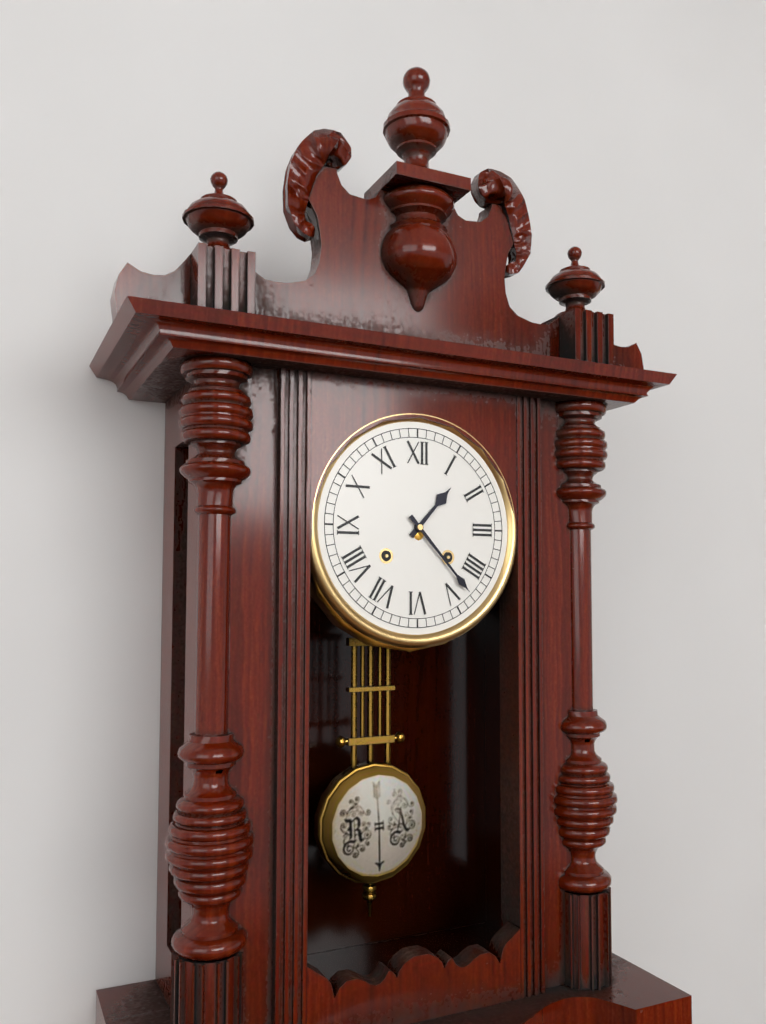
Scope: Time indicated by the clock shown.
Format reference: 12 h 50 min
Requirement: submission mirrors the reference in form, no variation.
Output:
1 h 23 min
